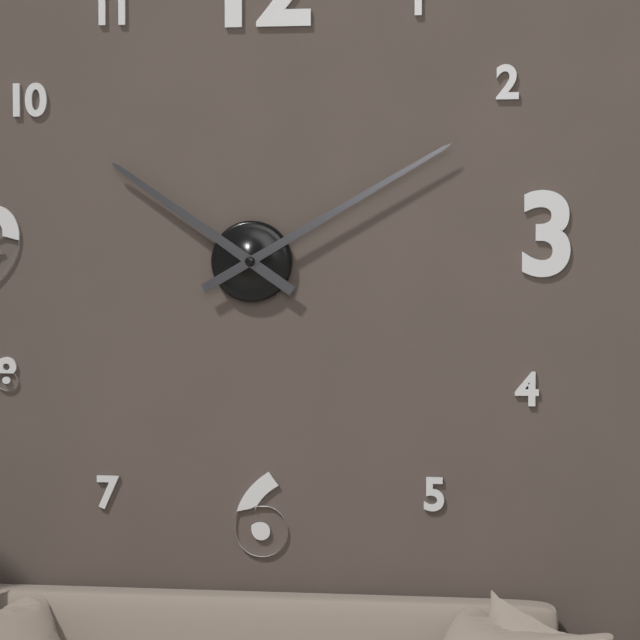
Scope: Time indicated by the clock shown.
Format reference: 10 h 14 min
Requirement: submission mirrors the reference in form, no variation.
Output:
10 h 10 min
